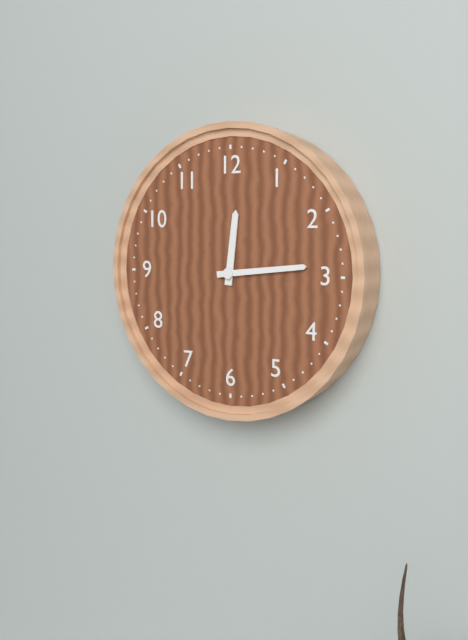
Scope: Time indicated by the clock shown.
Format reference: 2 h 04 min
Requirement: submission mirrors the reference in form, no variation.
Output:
12 h 14 min
